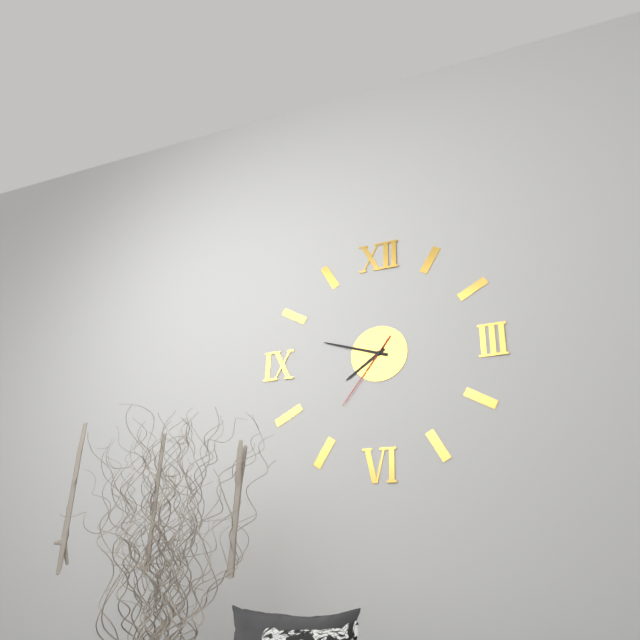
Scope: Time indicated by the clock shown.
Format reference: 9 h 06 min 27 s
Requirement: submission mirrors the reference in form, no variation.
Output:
7 h 48 min 36 s
